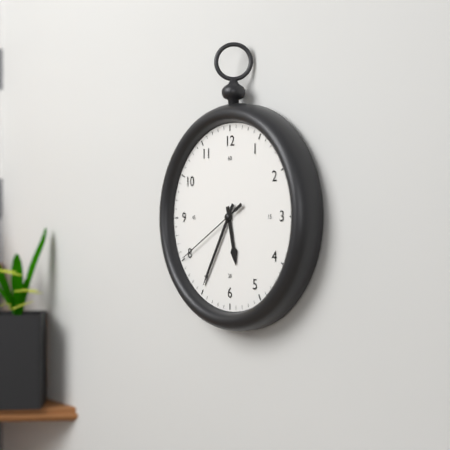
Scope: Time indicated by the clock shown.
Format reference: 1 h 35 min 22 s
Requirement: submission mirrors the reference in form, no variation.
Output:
5 h 35 min 40 s
